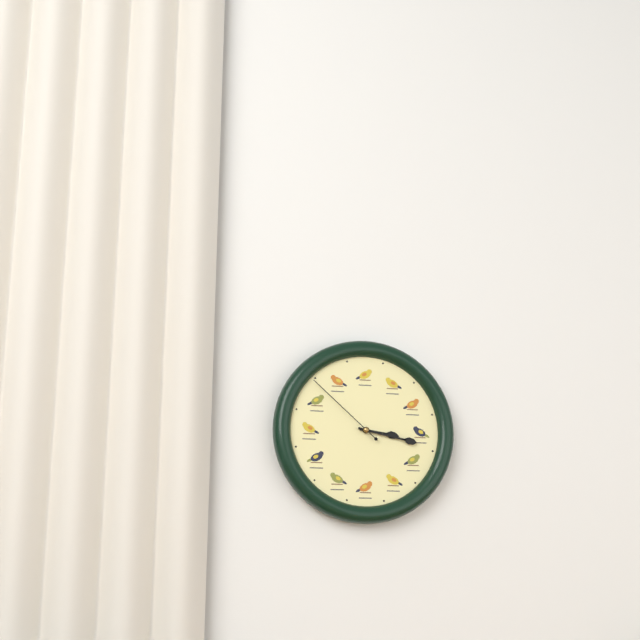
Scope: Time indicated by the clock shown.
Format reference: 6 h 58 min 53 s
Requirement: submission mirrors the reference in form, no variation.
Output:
3 h 17 min 52 s
